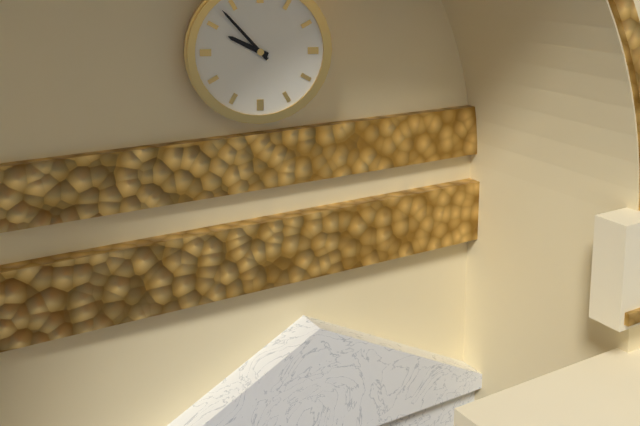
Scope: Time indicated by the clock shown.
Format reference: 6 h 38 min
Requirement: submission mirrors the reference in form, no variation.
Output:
9 h 53 min
